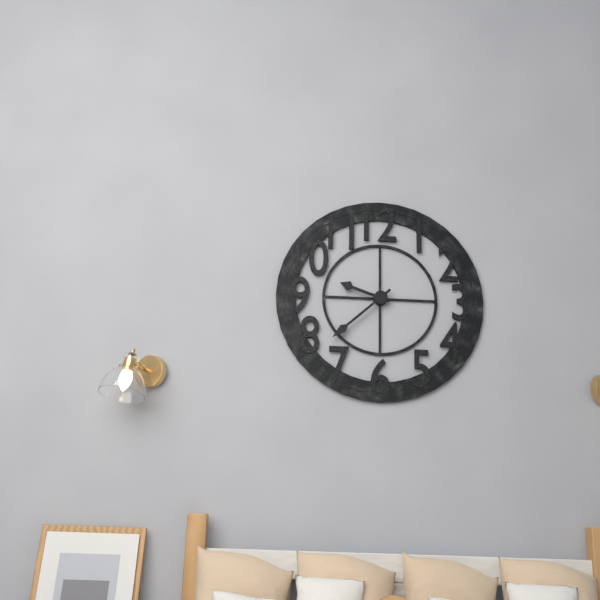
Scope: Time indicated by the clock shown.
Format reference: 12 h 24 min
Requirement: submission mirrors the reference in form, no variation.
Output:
9 h 38 min
